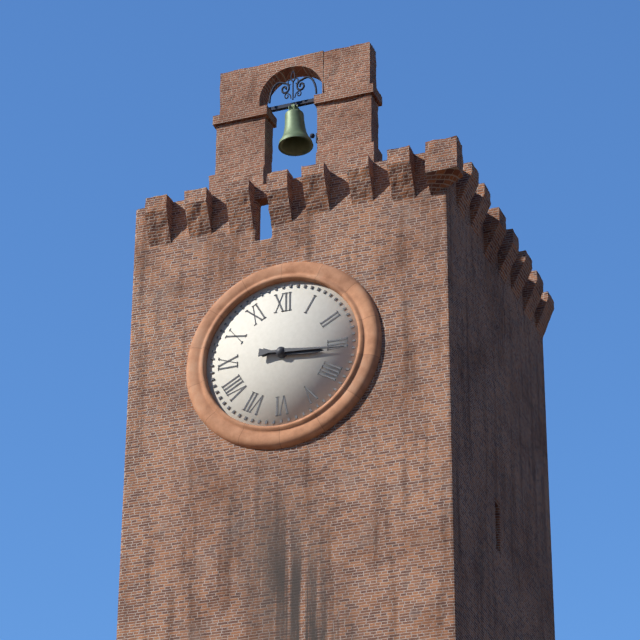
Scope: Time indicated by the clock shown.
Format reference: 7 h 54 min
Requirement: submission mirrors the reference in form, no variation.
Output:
3 h 16 min
